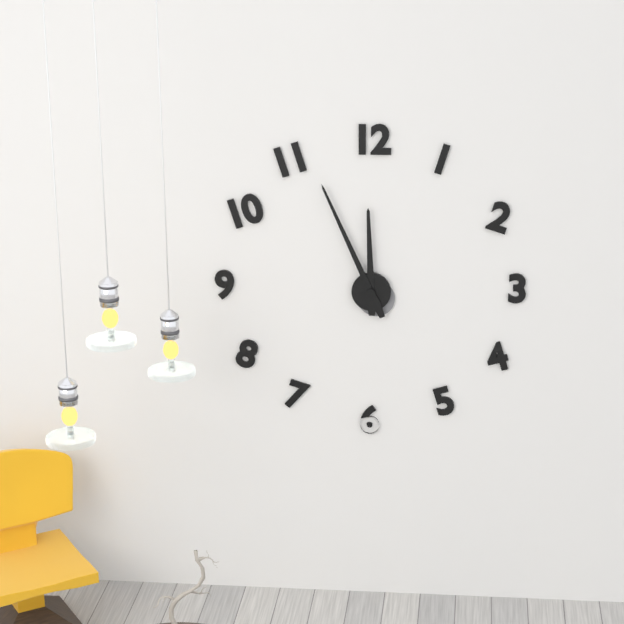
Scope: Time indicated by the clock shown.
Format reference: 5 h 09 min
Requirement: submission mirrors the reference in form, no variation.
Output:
11 h 56 min
